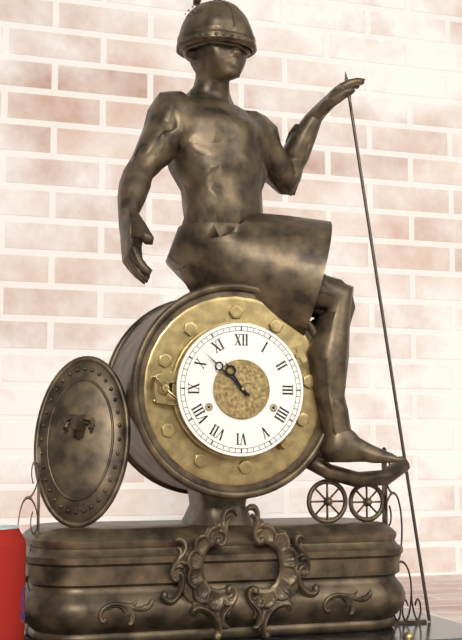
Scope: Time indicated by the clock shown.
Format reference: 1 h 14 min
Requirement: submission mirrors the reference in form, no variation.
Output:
10 h 52 min
